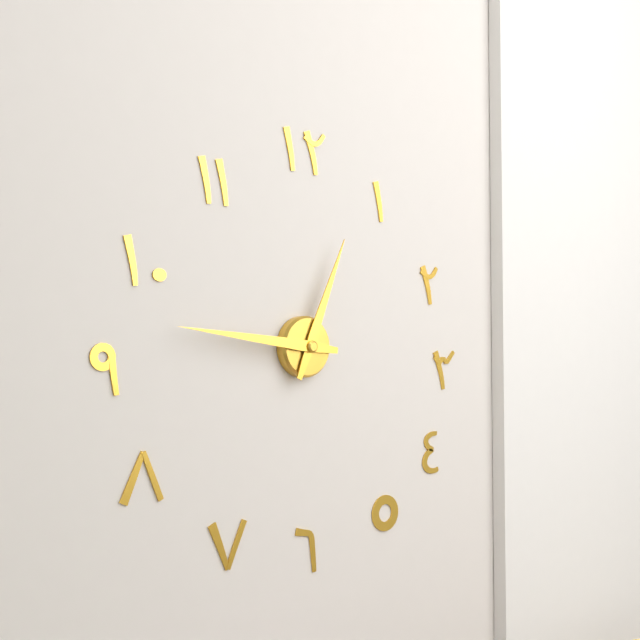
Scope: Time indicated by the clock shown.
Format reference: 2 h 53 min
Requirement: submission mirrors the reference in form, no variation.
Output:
12 h 46 min
